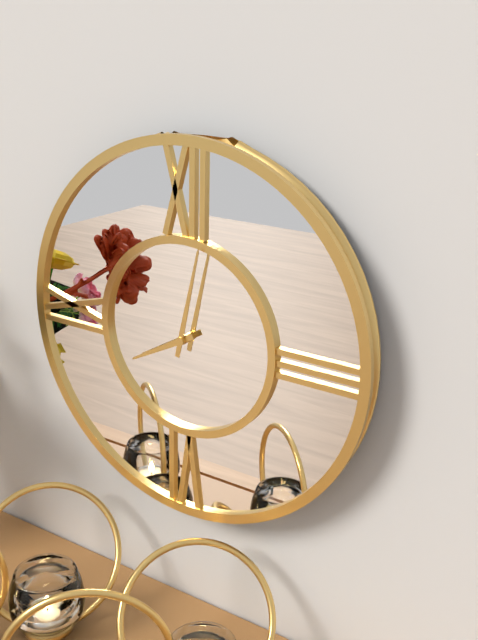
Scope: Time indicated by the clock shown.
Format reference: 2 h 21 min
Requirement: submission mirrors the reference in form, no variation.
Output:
8 h 02 min
